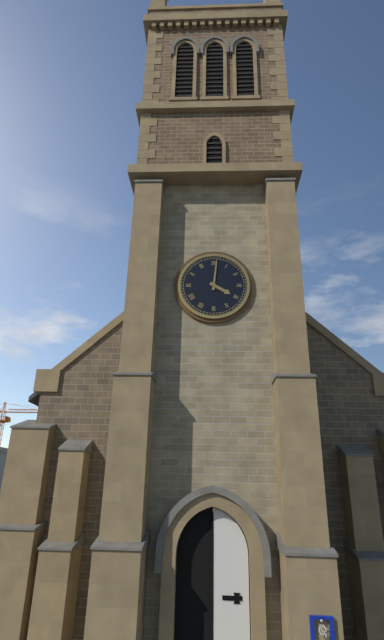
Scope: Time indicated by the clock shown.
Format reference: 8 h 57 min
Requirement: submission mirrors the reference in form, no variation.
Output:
4 h 01 min
